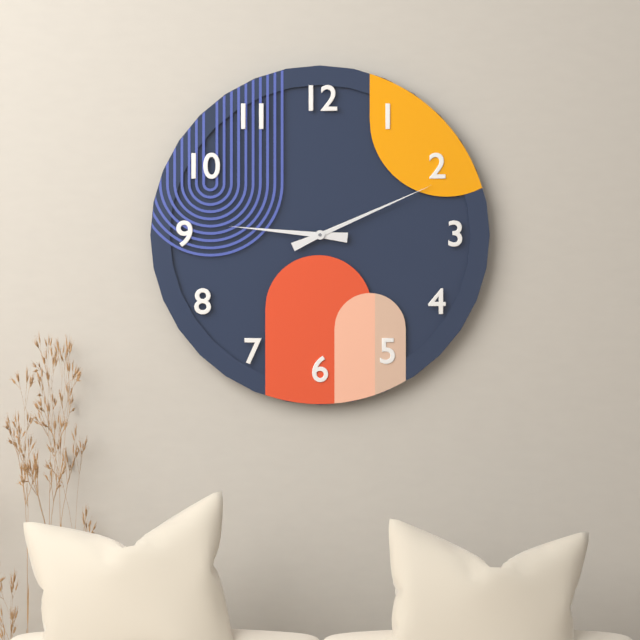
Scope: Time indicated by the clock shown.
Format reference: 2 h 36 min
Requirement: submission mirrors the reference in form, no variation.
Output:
9 h 11 min
